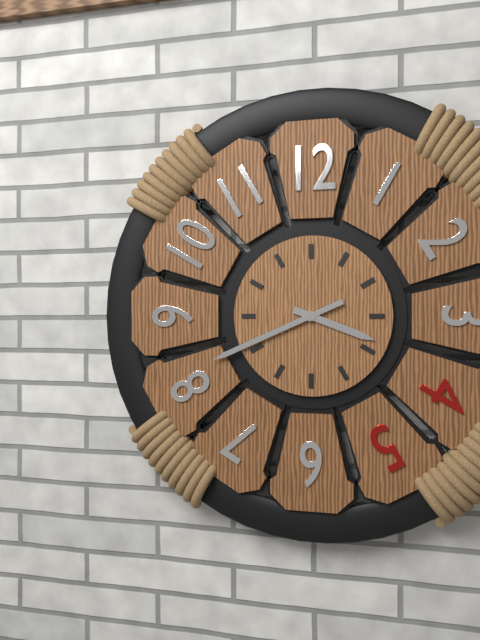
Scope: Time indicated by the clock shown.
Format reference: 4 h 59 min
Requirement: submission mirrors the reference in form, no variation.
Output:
3 h 41 min
